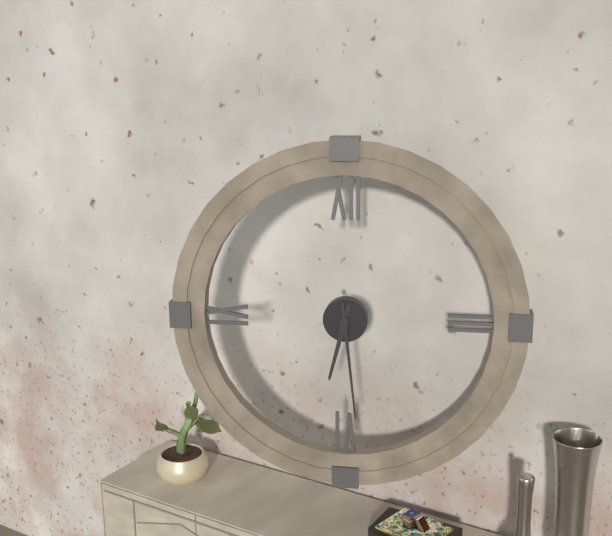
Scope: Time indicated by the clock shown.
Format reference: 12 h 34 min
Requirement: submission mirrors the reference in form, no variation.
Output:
6 h 29 min
